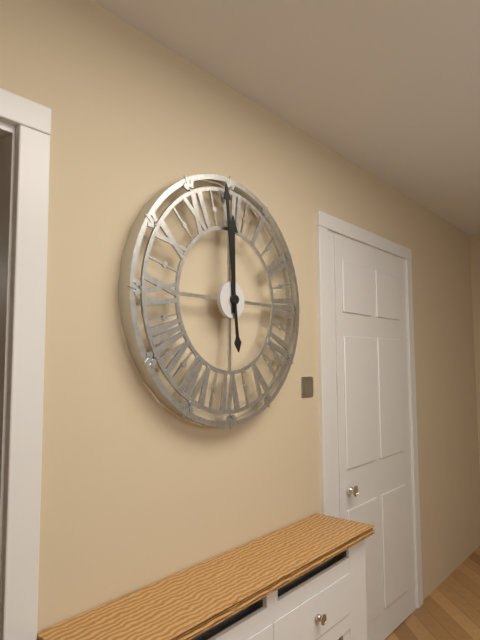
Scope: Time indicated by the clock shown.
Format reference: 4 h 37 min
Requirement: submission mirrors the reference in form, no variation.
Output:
11 h 59 min
